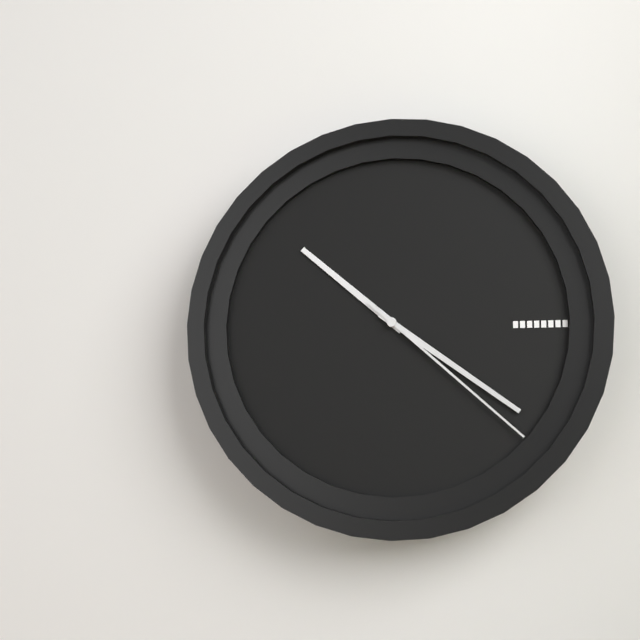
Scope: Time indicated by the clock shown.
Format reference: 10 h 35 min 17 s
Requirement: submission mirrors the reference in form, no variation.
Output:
10 h 21 min 22 s
